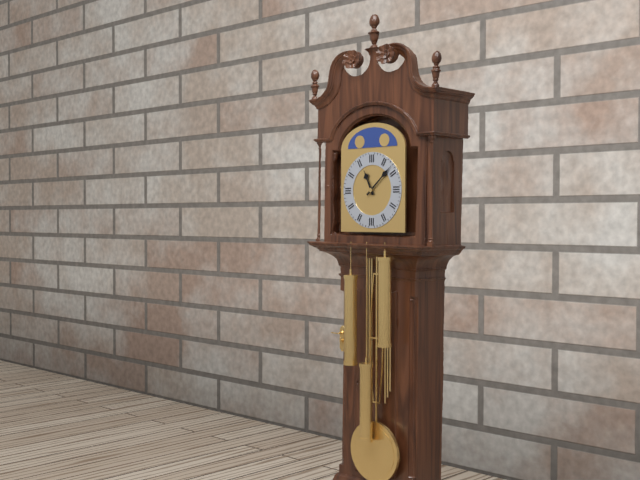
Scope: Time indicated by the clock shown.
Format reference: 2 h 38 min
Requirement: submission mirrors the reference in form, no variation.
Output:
11 h 08 min
